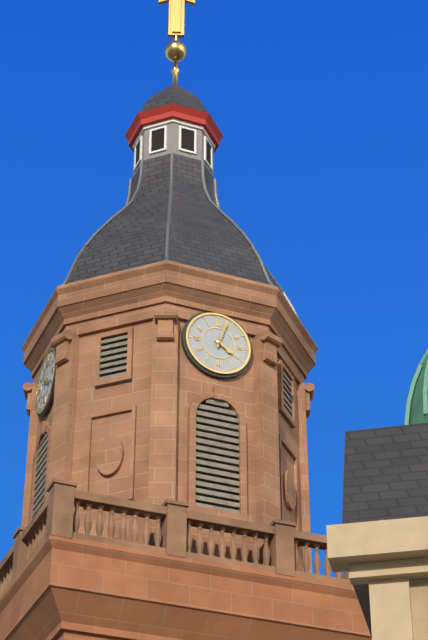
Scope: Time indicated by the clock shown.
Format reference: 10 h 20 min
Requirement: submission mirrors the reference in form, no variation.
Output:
4 h 03 min
